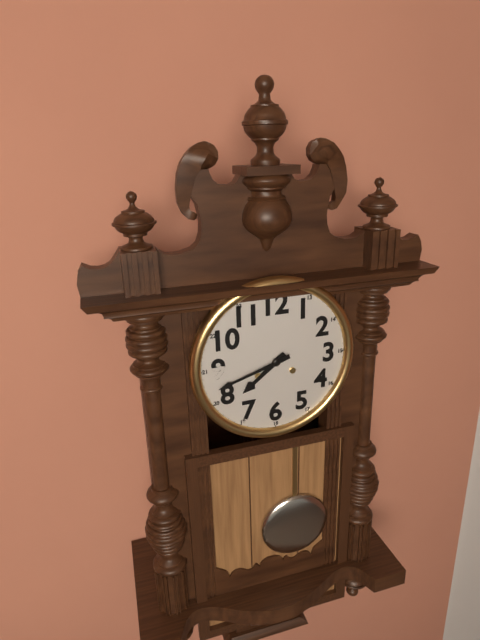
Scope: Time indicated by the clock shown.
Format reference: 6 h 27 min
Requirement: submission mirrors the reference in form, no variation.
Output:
7 h 42 min
